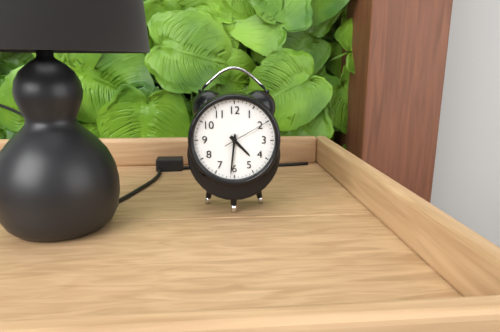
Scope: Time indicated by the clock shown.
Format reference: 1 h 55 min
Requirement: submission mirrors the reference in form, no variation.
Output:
4 h 31 min
